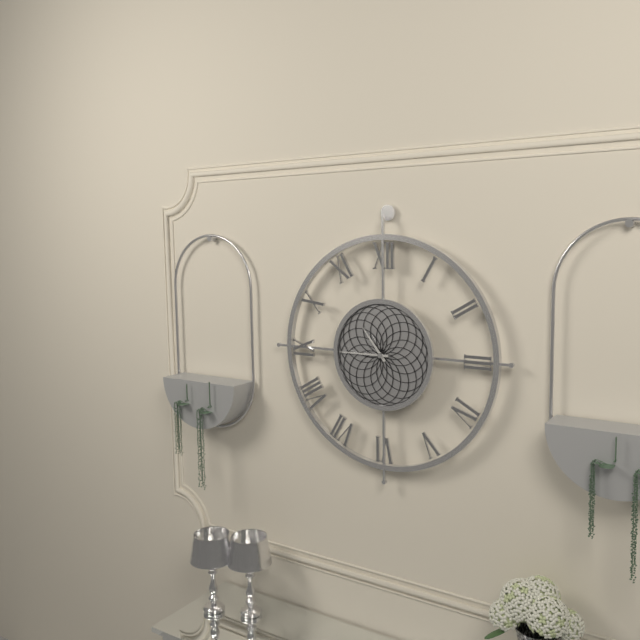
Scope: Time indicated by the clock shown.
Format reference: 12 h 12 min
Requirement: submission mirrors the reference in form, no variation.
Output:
10 h 45 min
